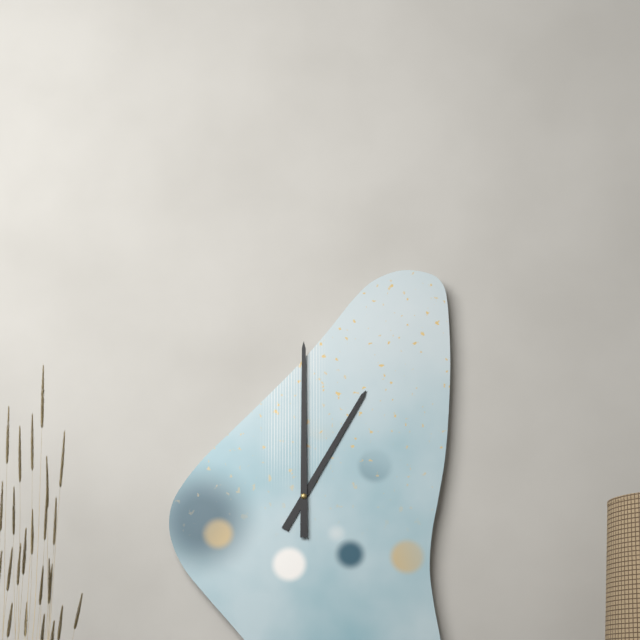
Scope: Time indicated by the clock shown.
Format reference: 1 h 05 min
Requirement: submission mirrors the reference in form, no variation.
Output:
1 h 00 min
